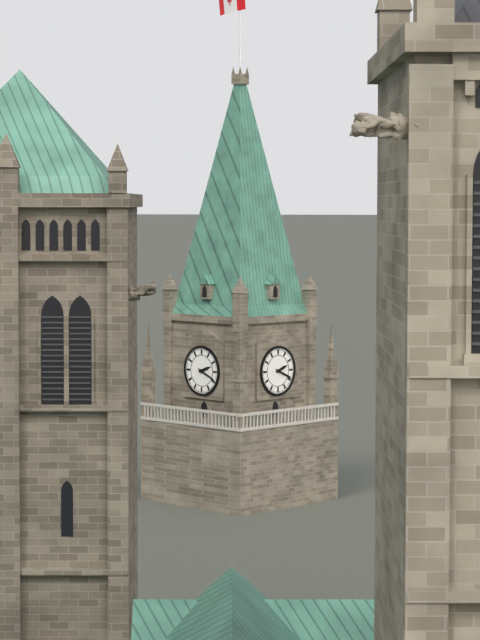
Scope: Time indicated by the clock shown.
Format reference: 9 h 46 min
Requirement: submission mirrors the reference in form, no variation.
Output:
2 h 19 min
